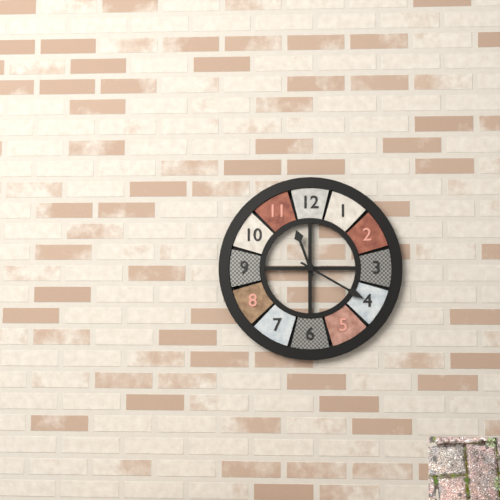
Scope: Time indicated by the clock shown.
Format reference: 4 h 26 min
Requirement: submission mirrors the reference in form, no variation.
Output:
11 h 20 min
